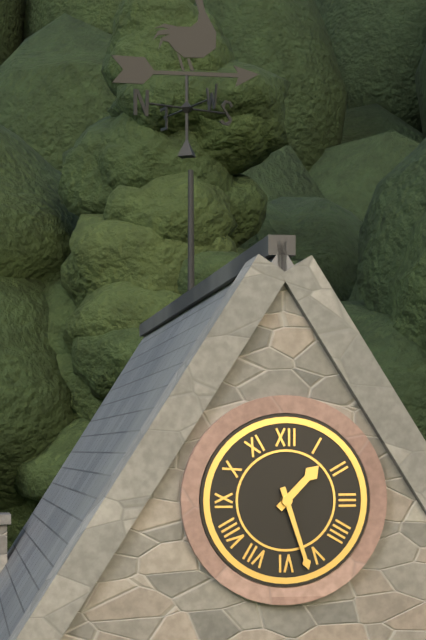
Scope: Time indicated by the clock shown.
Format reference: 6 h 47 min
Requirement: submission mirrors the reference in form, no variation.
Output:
1 h 27 min
